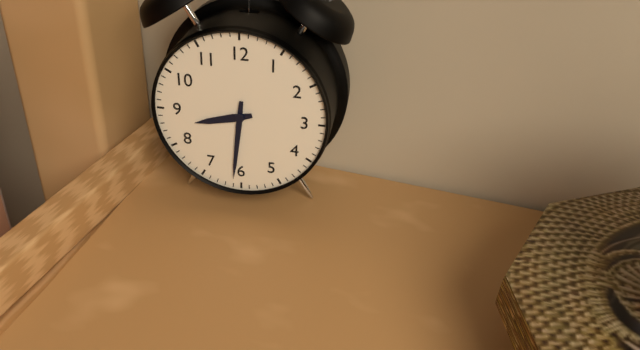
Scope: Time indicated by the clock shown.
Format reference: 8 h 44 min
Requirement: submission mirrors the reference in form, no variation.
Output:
8 h 31 min
